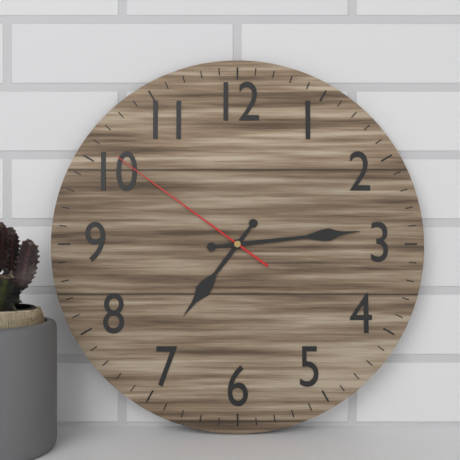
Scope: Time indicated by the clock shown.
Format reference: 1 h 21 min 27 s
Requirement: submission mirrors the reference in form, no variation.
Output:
7 h 14 min 51 s
